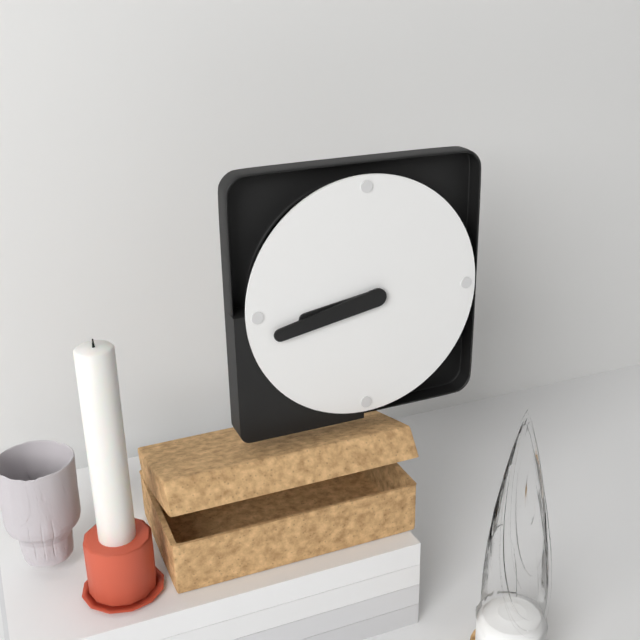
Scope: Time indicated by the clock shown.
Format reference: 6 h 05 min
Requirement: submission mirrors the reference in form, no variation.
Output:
8 h 43 min
